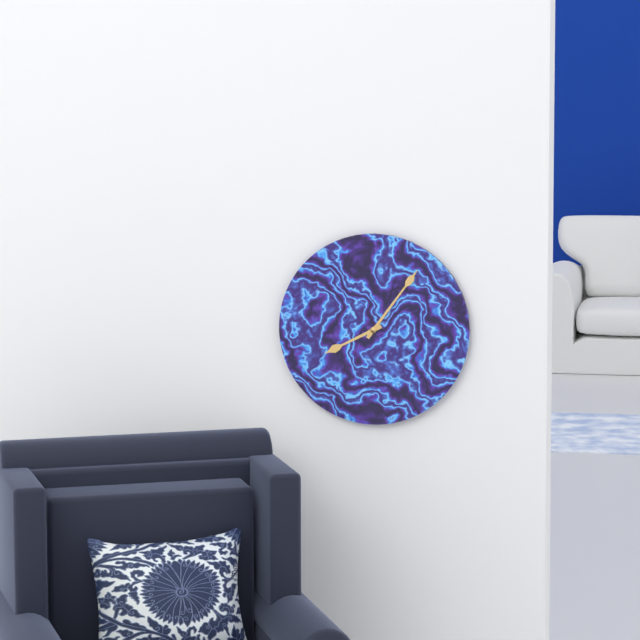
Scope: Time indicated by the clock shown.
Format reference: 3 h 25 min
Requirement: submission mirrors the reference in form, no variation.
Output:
8 h 06 min
